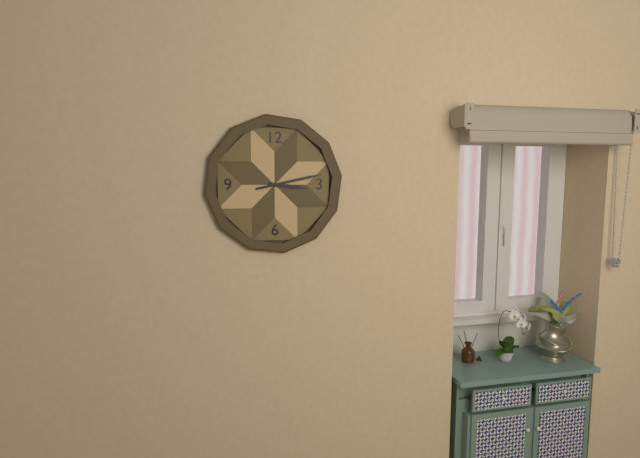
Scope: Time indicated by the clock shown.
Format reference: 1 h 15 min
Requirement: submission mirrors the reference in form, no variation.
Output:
3 h 13 min
